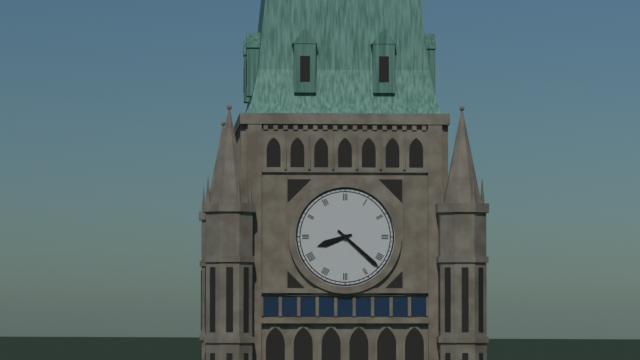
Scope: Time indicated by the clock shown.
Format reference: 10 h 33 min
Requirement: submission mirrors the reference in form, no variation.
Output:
8 h 22 min
